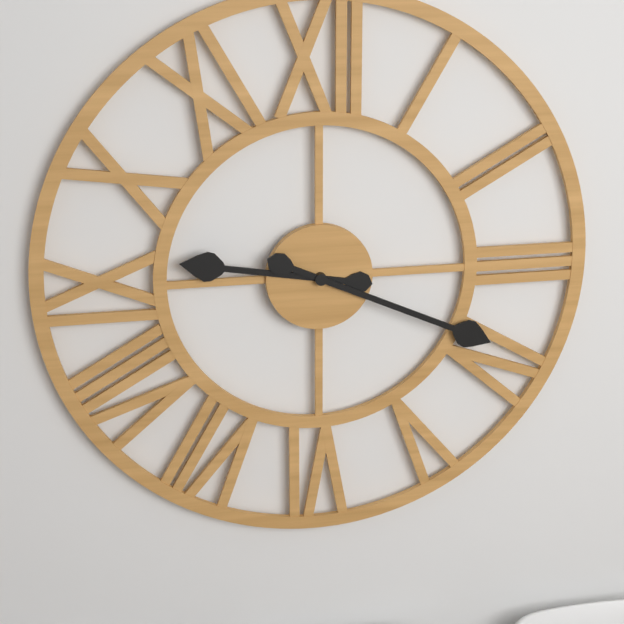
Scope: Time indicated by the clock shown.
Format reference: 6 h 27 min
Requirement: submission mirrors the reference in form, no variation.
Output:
9 h 19 min
